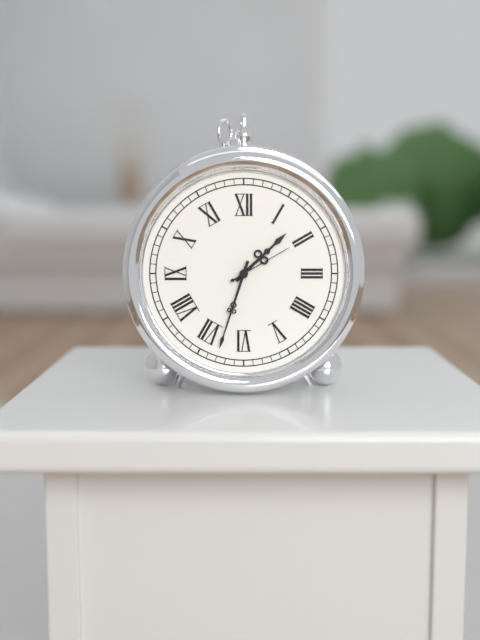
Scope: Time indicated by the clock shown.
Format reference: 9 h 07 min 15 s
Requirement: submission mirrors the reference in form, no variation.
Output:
1 h 33 min 10 s
